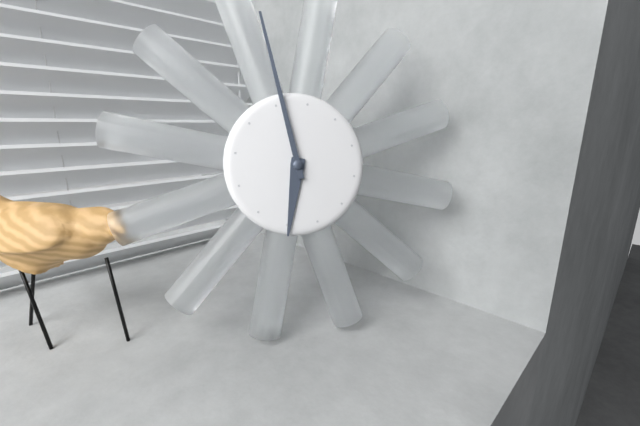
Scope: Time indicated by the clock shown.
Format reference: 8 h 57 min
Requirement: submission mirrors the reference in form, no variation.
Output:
5 h 56 min
